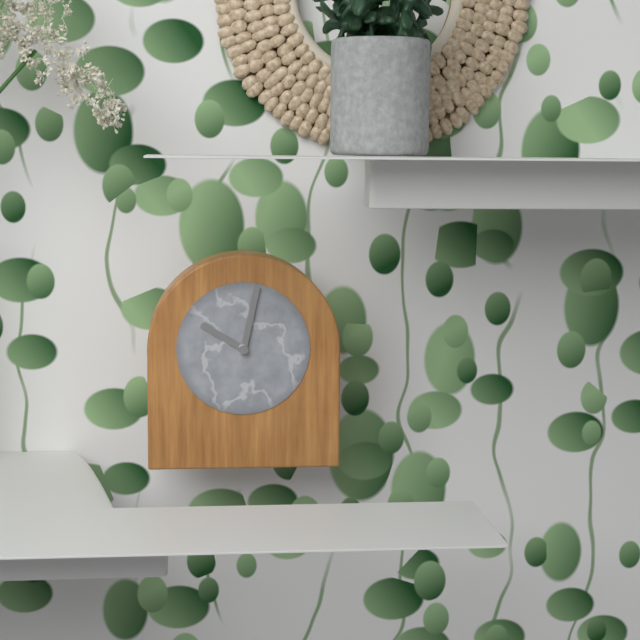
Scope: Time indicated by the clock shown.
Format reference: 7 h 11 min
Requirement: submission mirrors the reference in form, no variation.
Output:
10 h 02 min
